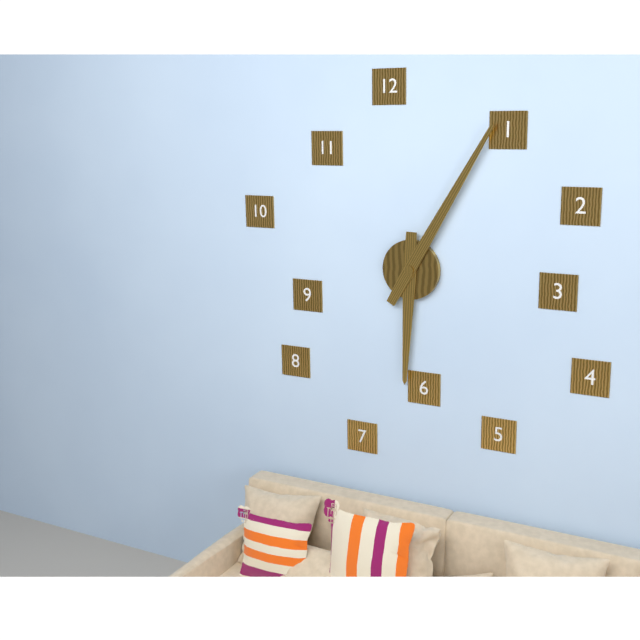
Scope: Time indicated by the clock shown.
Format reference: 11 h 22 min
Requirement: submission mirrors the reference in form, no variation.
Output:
6 h 05 min
